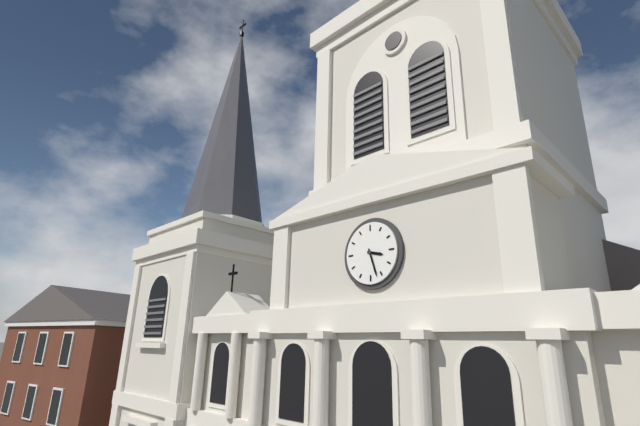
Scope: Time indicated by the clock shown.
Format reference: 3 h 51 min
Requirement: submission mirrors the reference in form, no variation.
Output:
3 h 27 min
